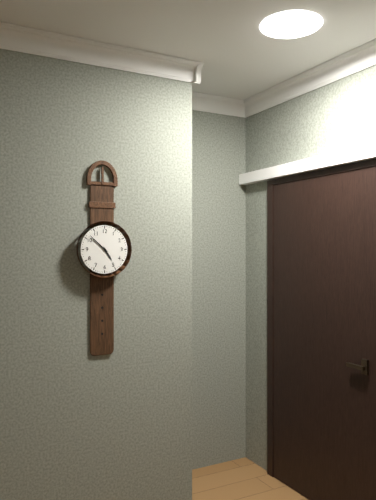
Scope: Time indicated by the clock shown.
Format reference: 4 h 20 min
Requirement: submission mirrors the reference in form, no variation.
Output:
4 h 52 min
